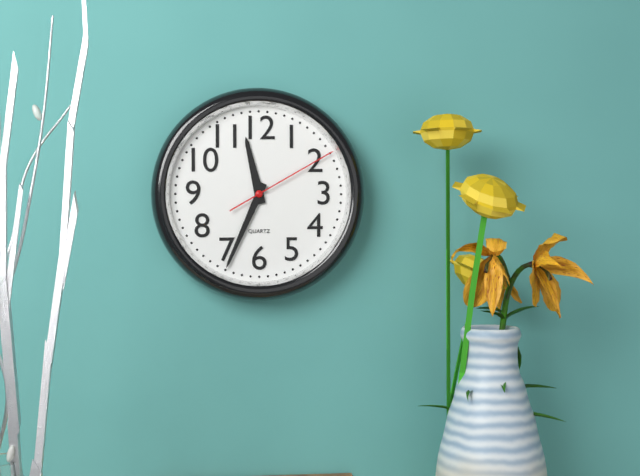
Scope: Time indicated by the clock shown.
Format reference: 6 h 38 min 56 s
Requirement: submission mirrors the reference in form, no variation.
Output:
11 h 34 min 10 s
